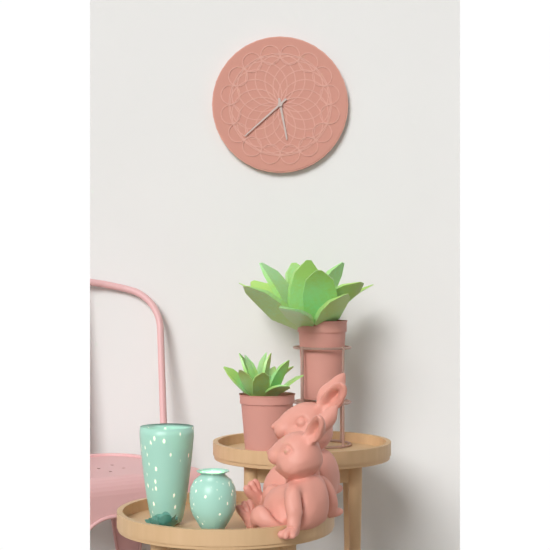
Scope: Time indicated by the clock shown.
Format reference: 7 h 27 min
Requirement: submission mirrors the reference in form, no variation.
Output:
5 h 38 min
